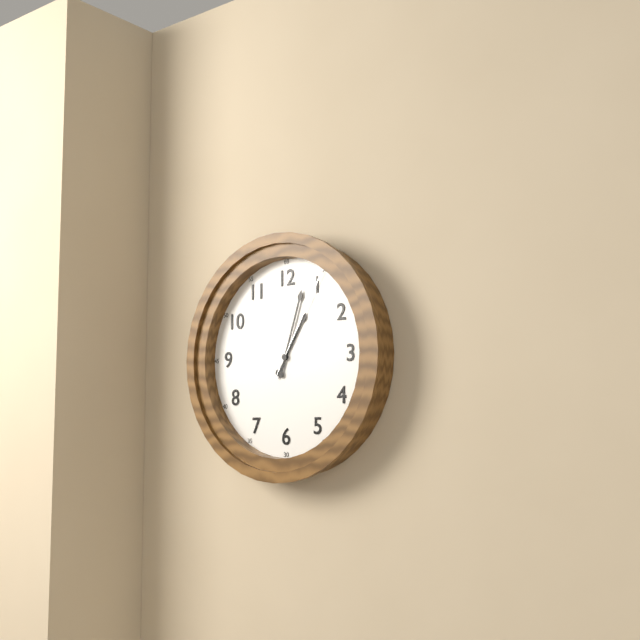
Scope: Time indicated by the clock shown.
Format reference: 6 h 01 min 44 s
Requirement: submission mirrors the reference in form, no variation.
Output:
1 h 03 min 05 s
